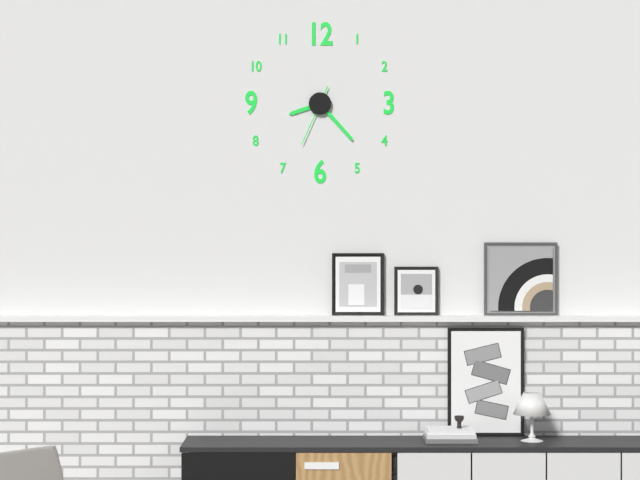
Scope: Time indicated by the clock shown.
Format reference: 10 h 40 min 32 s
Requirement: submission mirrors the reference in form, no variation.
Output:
8 h 23 min 34 s
